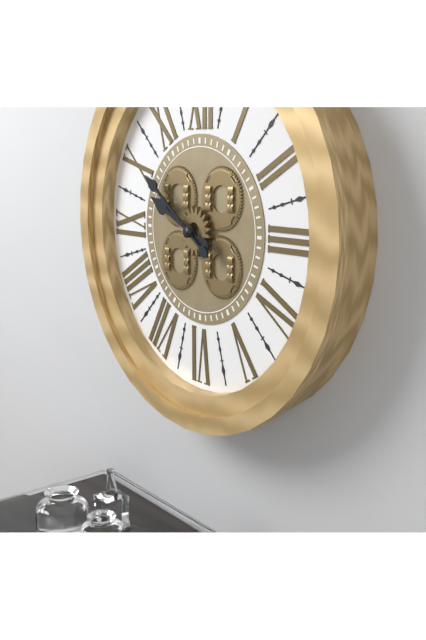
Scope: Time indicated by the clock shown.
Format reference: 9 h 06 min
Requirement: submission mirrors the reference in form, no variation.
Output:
9 h 51 min
